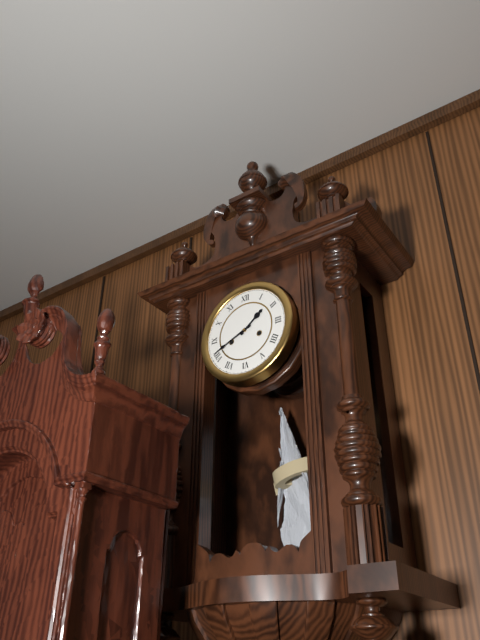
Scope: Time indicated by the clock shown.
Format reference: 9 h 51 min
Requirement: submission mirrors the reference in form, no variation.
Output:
1 h 41 min
